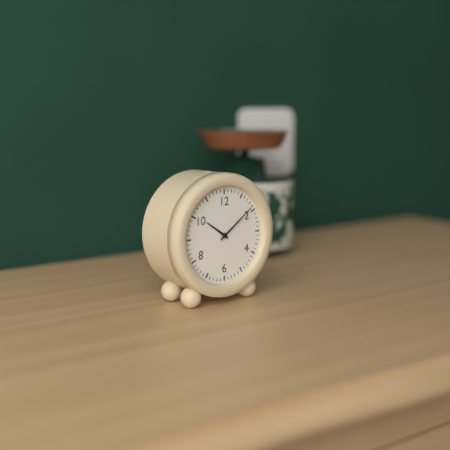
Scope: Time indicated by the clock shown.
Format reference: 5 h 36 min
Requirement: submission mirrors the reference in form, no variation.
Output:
10 h 09 min
